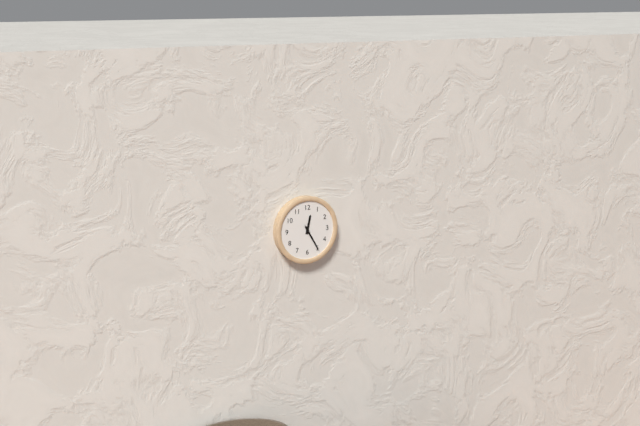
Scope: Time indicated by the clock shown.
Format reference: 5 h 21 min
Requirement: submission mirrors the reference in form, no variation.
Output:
12 h 25 min
